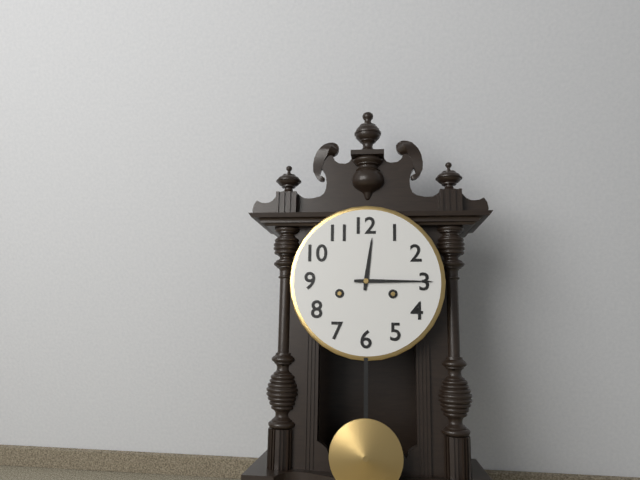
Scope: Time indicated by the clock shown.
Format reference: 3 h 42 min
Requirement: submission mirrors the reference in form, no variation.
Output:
12 h 15 min
